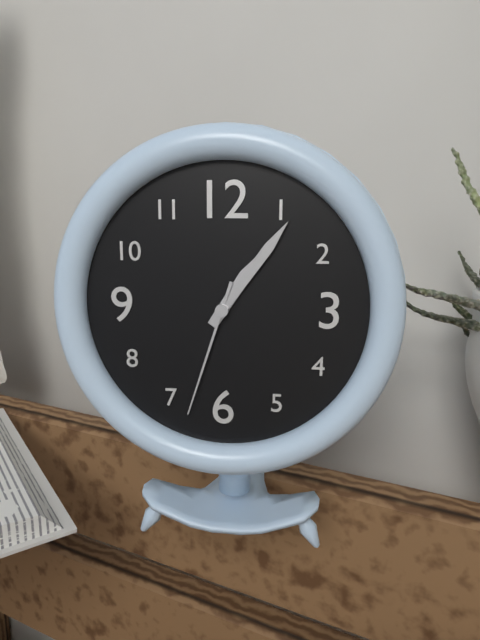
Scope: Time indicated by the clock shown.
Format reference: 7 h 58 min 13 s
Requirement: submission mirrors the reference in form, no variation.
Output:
1 h 06 min 33 s
